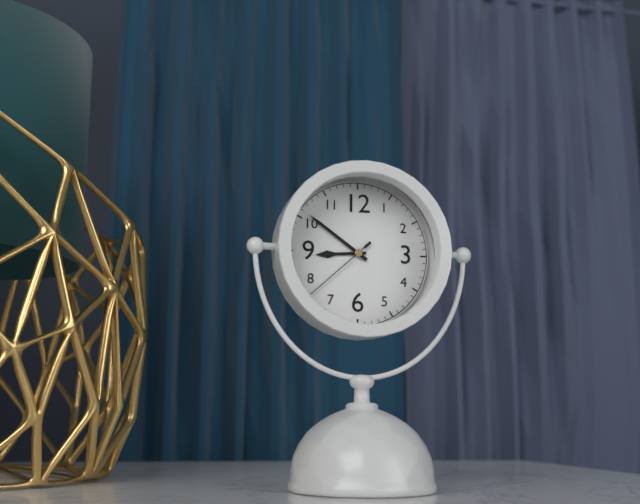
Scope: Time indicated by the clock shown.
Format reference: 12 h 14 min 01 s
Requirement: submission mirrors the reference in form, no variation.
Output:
8 h 51 min 38 s
